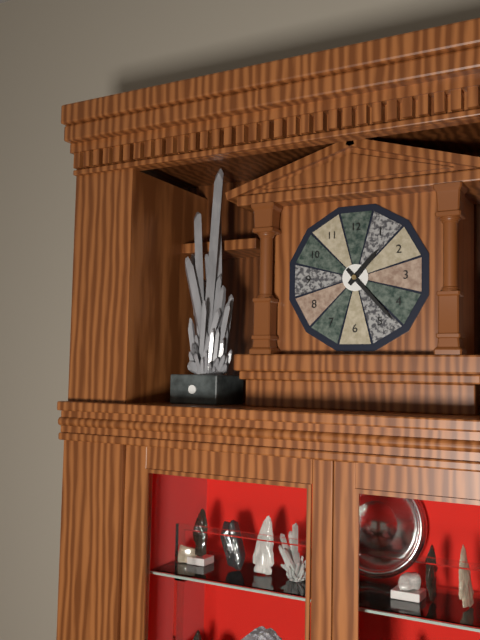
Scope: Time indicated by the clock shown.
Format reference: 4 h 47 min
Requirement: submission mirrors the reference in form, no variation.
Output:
1 h 23 min
